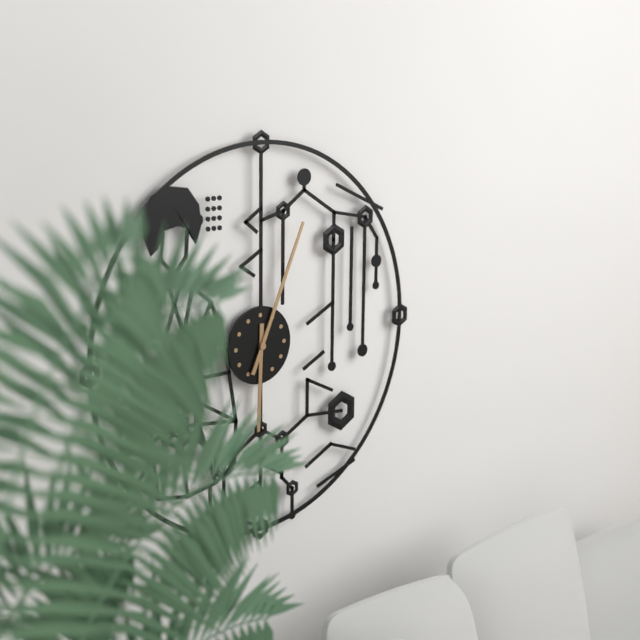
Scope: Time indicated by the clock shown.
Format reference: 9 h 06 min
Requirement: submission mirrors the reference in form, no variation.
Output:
6 h 04 min
